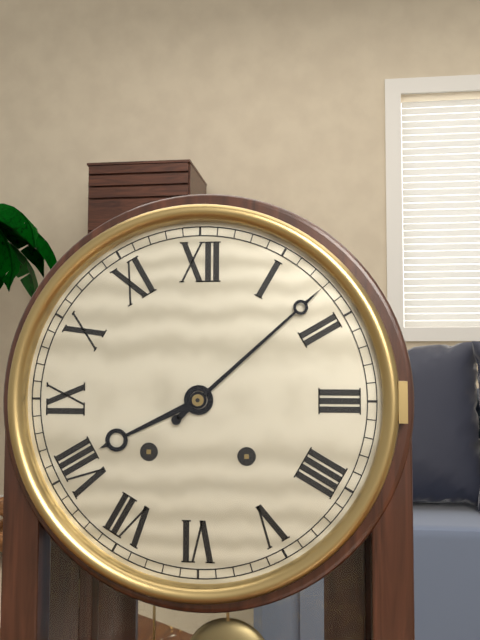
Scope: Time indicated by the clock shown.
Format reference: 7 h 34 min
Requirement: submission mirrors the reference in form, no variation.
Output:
8 h 08 min
